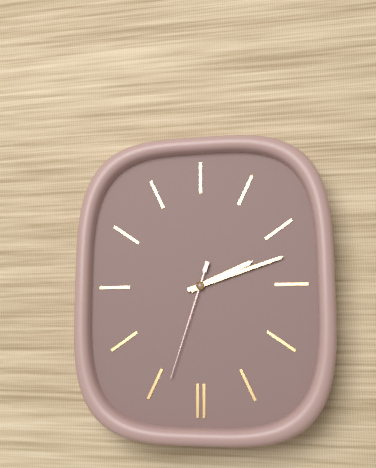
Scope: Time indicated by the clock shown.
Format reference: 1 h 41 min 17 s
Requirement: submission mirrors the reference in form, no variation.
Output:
2 h 12 min 33 s
